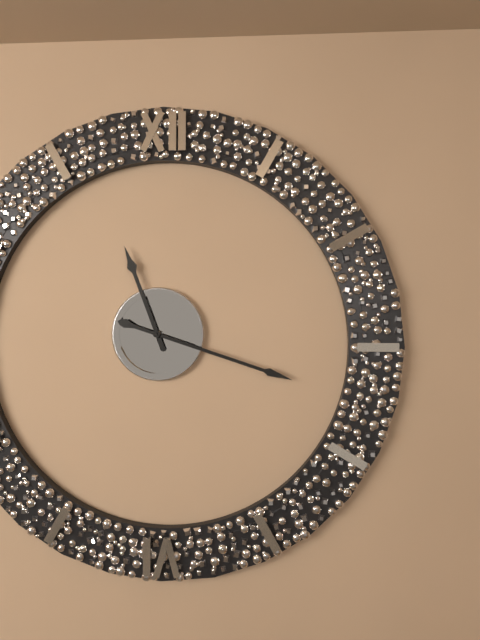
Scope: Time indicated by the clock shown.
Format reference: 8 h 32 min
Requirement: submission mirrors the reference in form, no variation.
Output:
11 h 18 min
